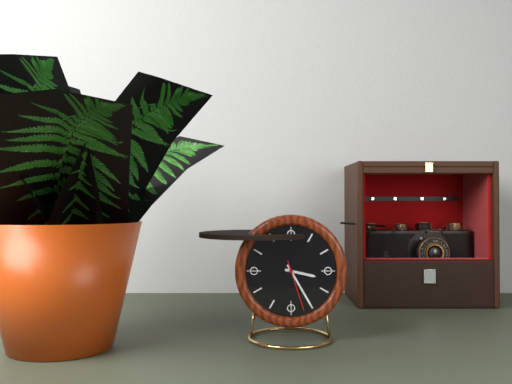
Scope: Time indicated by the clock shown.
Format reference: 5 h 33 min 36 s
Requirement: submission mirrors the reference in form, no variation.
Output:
3 h 25 min 27 s
